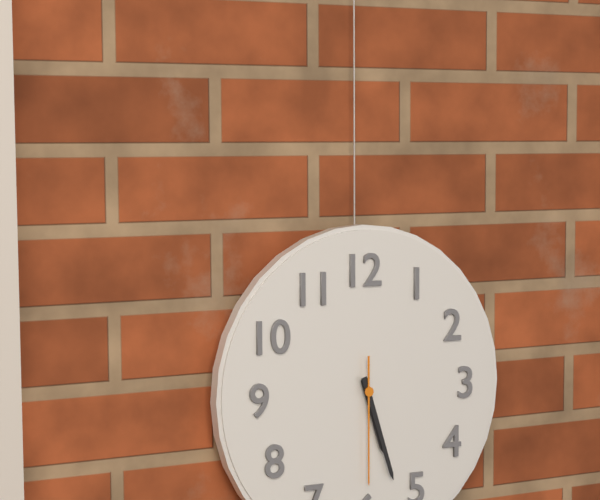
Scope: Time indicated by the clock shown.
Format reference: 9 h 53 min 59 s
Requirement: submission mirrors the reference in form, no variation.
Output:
5 h 27 min 30 s
